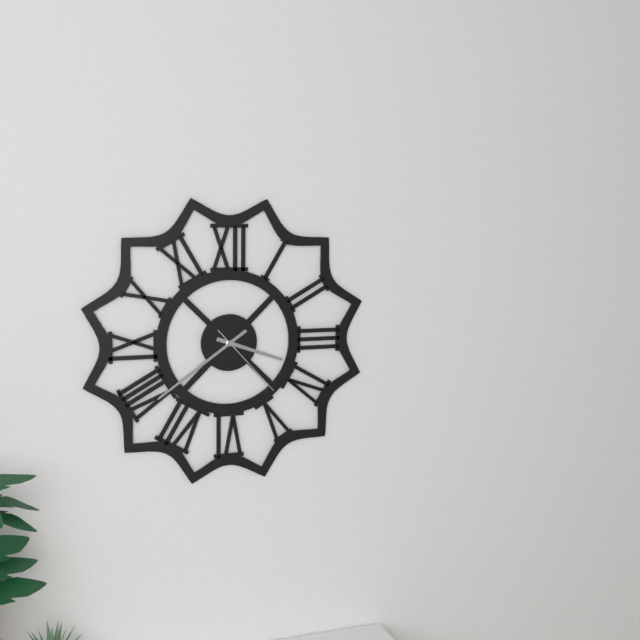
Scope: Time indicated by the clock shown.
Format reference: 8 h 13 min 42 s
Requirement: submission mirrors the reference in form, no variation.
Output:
3 h 39 min 23 s
